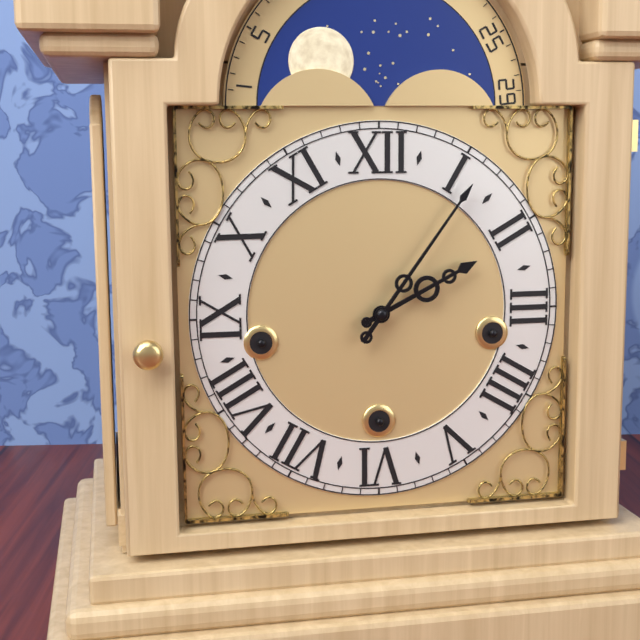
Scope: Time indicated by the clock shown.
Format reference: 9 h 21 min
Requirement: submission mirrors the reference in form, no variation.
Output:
2 h 06 min
